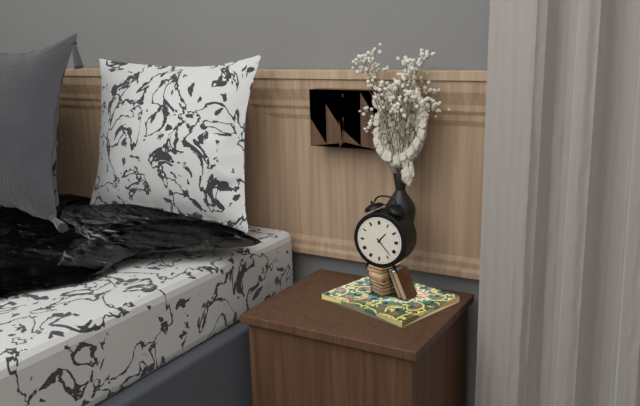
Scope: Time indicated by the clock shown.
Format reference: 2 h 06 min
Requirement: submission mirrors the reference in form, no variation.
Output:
1 h 23 min
